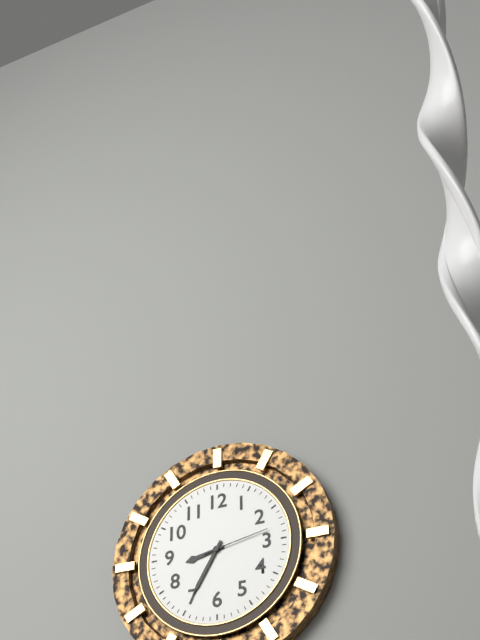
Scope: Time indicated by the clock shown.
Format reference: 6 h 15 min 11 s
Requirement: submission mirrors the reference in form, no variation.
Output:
8 h 35 min 13 s
